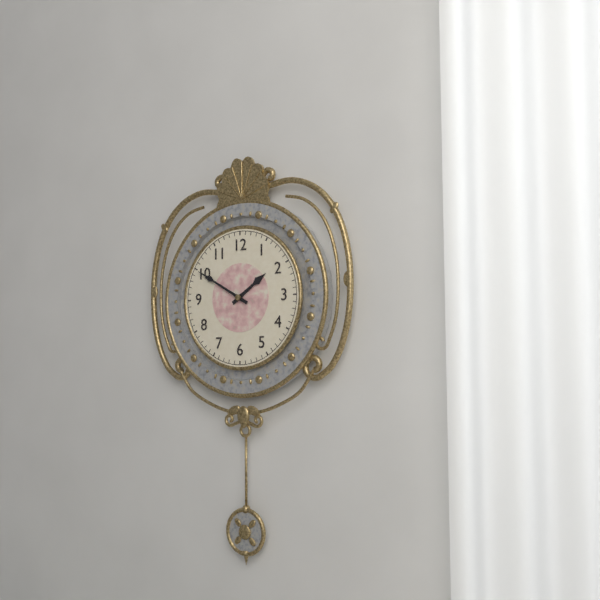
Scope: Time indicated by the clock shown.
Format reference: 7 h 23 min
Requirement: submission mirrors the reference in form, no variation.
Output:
1 h 50 min
